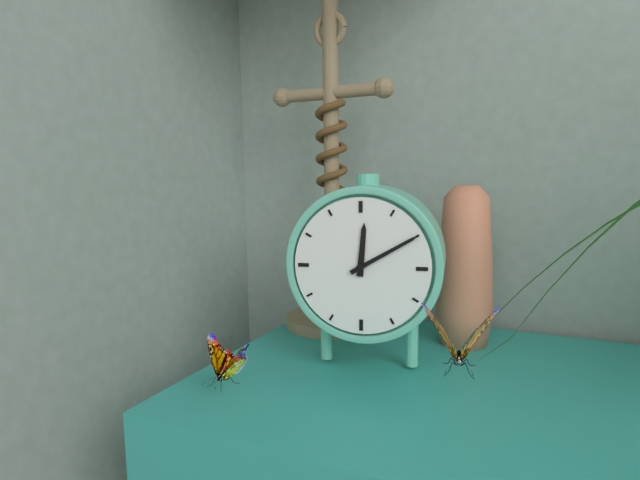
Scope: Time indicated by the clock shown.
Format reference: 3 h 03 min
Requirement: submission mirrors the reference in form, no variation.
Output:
12 h 10 min
